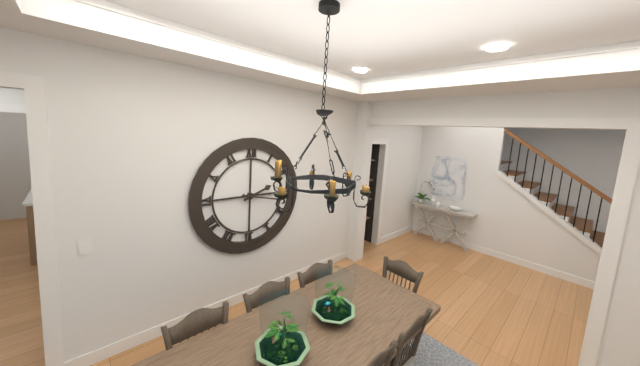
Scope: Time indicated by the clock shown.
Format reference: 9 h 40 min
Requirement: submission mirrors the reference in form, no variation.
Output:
2 h 17 min
